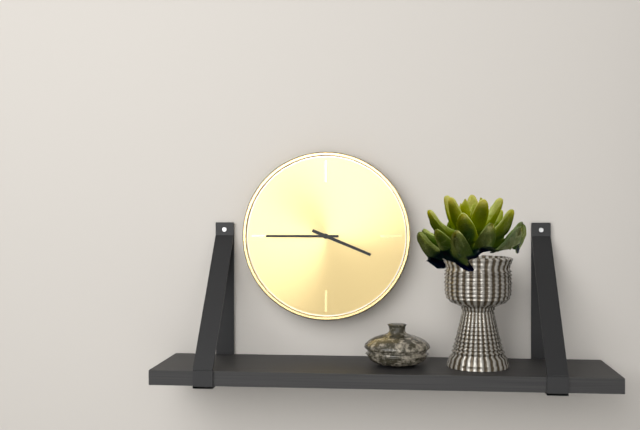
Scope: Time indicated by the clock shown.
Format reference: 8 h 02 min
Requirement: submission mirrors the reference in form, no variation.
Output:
3 h 45 min
